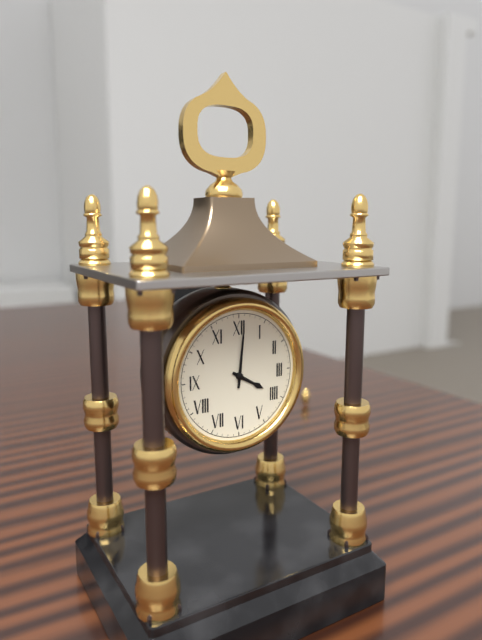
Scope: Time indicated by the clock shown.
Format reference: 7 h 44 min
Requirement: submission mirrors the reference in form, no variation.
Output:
4 h 01 min
